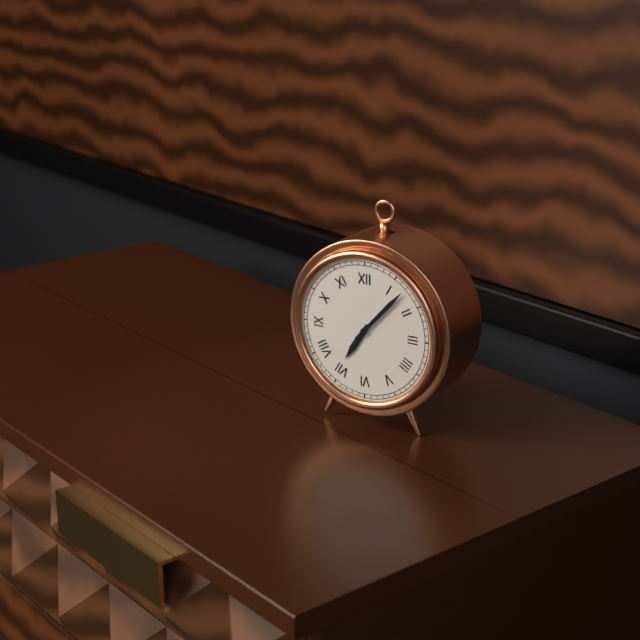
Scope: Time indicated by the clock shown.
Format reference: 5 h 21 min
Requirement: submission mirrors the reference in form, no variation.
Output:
7 h 07 min
